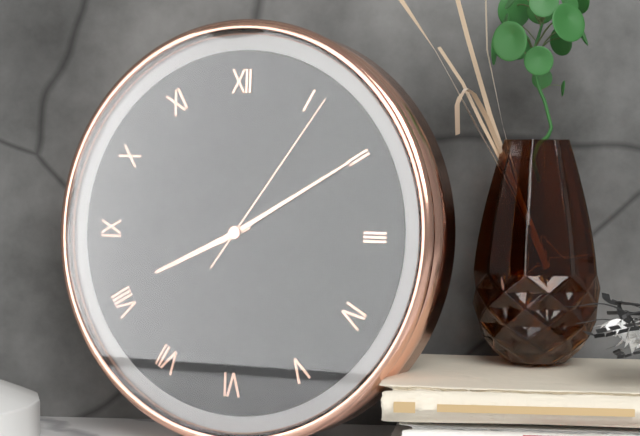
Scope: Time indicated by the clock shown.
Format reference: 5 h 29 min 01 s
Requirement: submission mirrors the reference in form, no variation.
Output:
8 h 10 min 06 s
